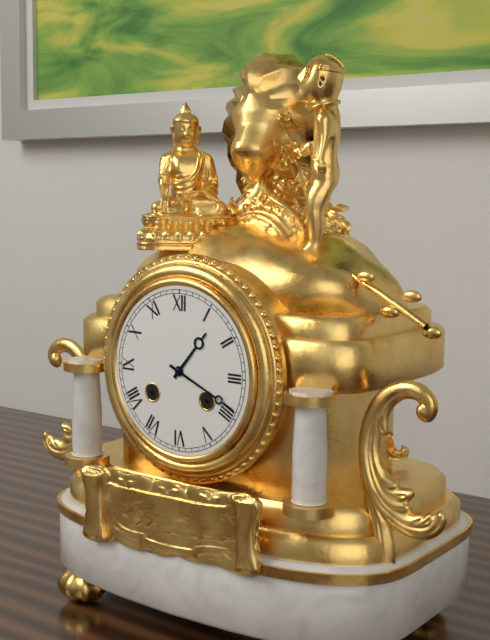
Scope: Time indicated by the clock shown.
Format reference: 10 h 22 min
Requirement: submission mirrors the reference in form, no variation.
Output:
1 h 19 min
